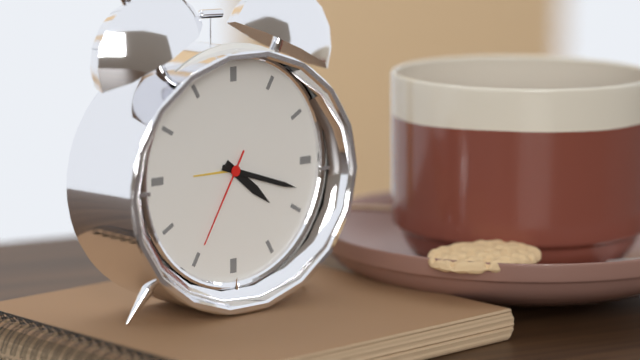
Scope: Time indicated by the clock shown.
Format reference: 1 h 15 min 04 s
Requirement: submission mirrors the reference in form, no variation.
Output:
4 h 18 min 35 s
